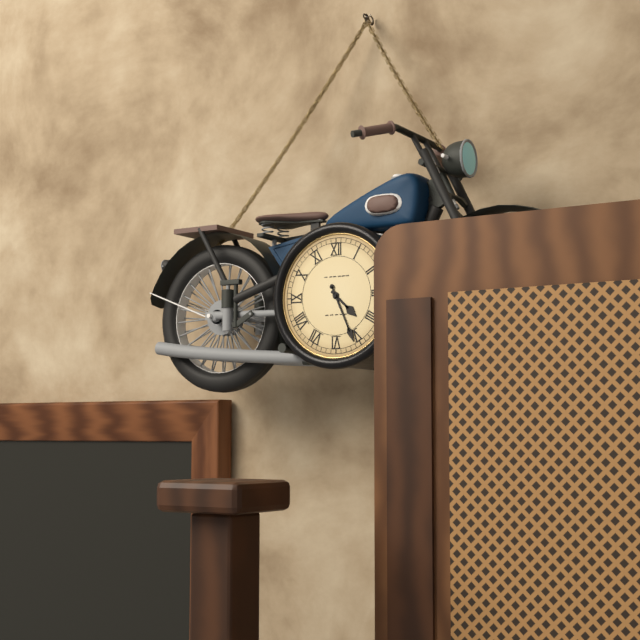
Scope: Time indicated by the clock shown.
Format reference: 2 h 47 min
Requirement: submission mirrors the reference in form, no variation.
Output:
4 h 26 min
